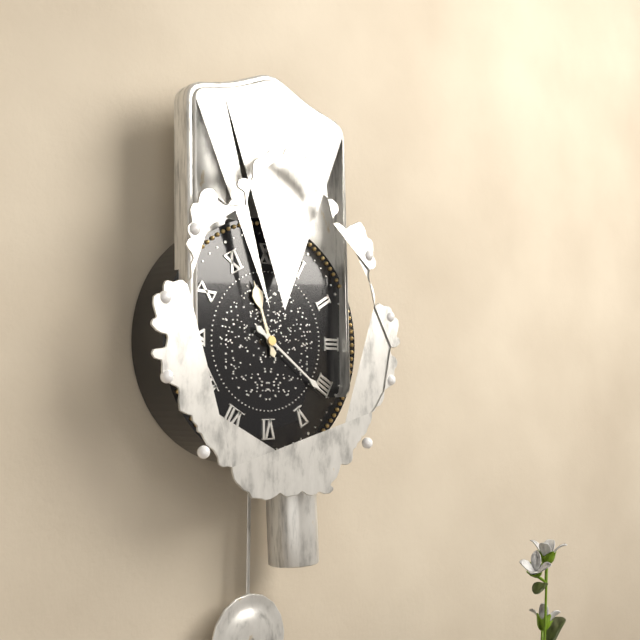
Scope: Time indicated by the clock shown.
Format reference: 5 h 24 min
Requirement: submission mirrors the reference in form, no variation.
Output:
11 h 21 min
